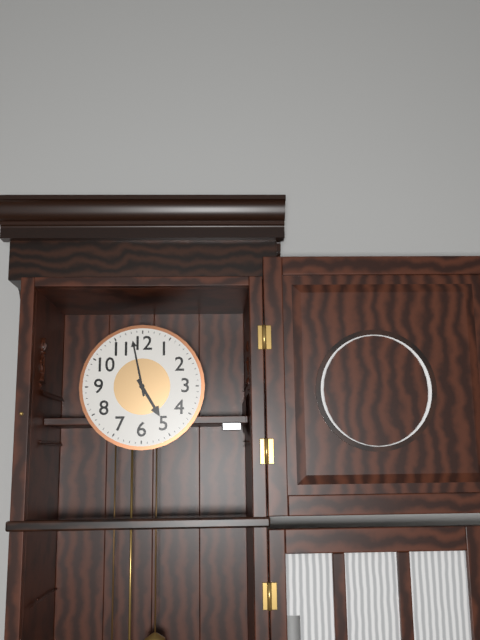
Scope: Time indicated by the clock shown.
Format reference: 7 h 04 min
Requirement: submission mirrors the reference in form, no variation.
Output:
4 h 58 min
